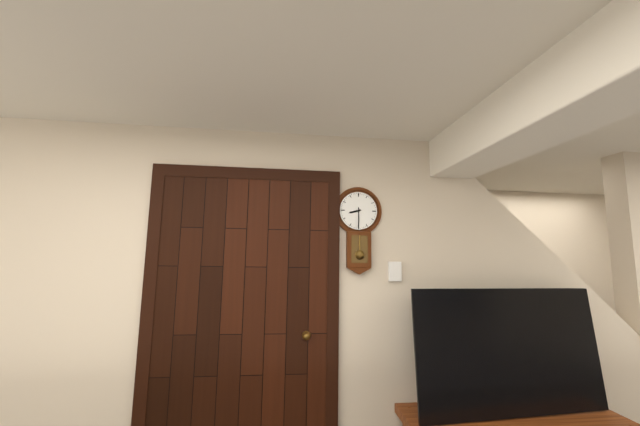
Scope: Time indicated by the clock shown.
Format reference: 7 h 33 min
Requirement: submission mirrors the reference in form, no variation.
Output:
8 h 30 min
